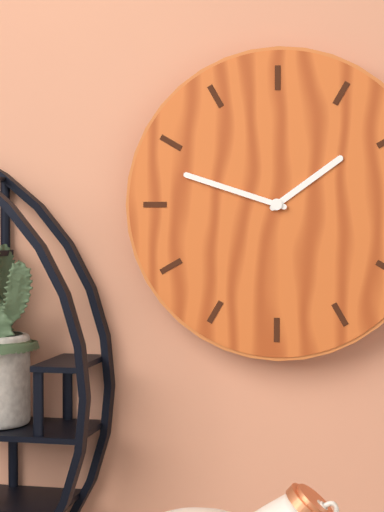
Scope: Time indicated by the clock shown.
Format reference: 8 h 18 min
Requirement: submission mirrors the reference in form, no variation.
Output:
1 h 48 min
